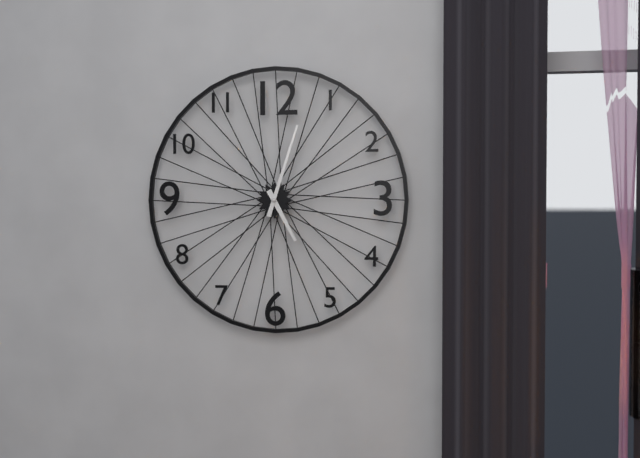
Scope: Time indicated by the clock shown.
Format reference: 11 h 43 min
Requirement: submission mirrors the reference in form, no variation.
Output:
5 h 03 min
